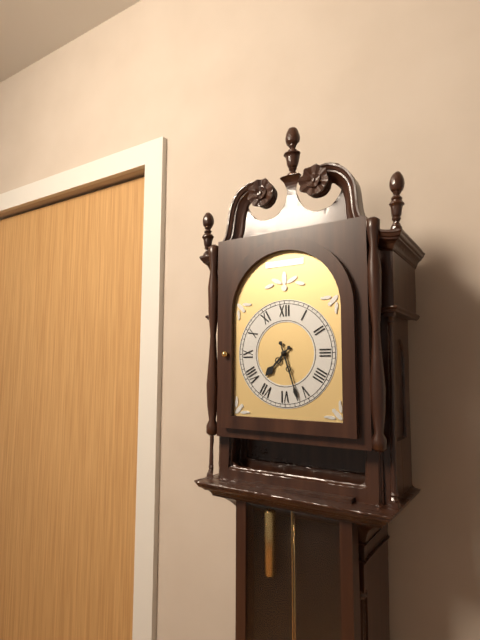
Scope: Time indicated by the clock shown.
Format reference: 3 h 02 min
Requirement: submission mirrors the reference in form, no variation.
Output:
7 h 27 min
